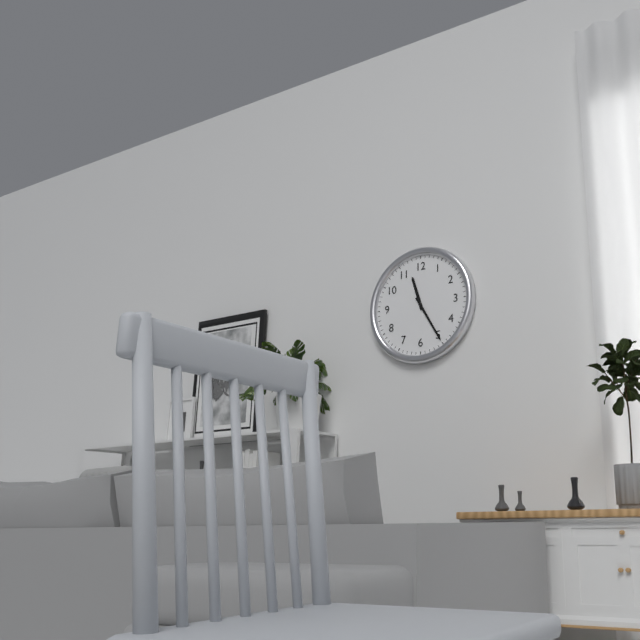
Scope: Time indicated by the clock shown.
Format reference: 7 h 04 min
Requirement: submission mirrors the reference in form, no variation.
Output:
11 h 25 min
